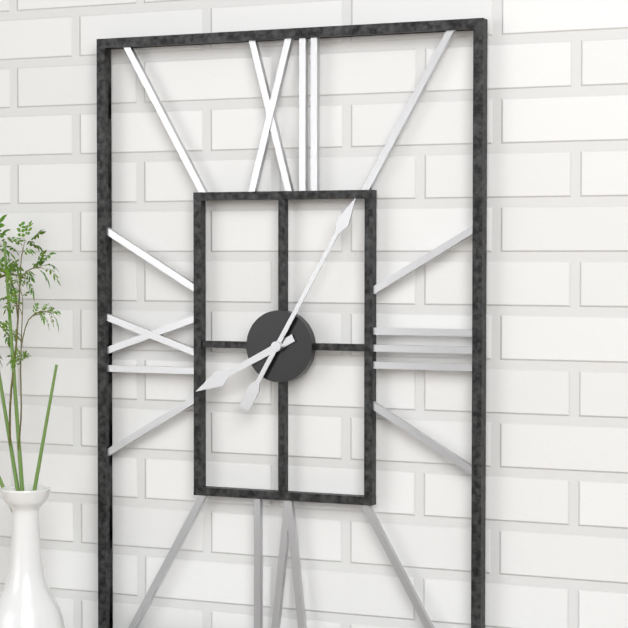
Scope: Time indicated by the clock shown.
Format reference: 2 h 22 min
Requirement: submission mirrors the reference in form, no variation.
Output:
8 h 05 min
